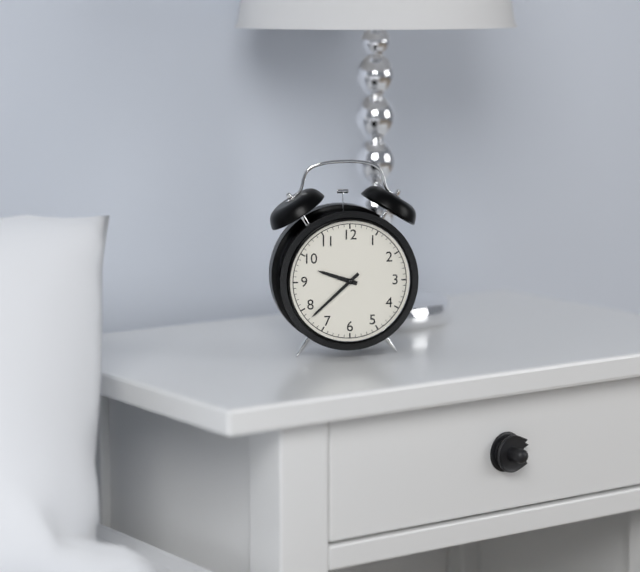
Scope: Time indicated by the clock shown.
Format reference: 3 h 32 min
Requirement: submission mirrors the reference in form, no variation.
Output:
9 h 38 min
